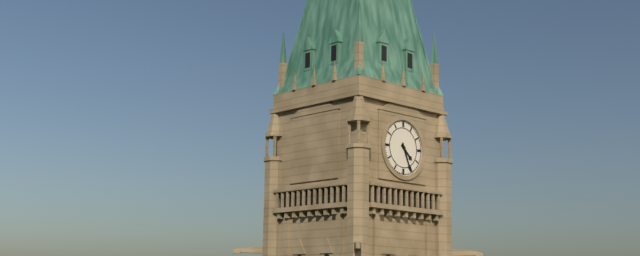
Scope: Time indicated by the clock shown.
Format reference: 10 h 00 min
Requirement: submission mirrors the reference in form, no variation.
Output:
4 h 26 min
